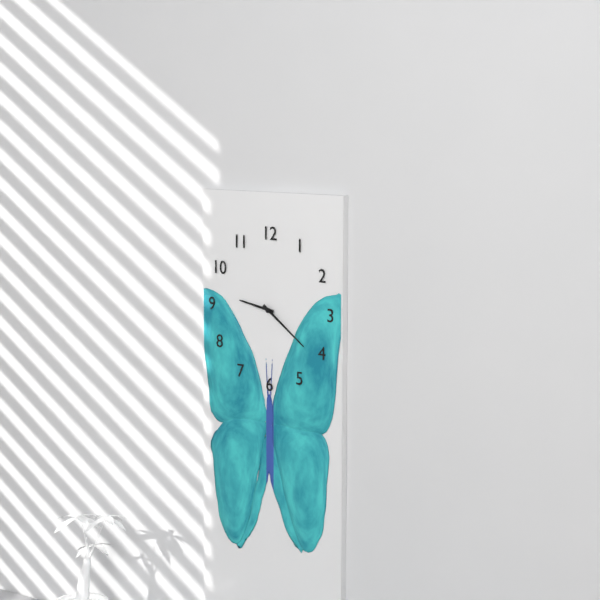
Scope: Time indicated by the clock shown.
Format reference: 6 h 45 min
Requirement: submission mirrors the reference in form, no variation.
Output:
9 h 21 min
